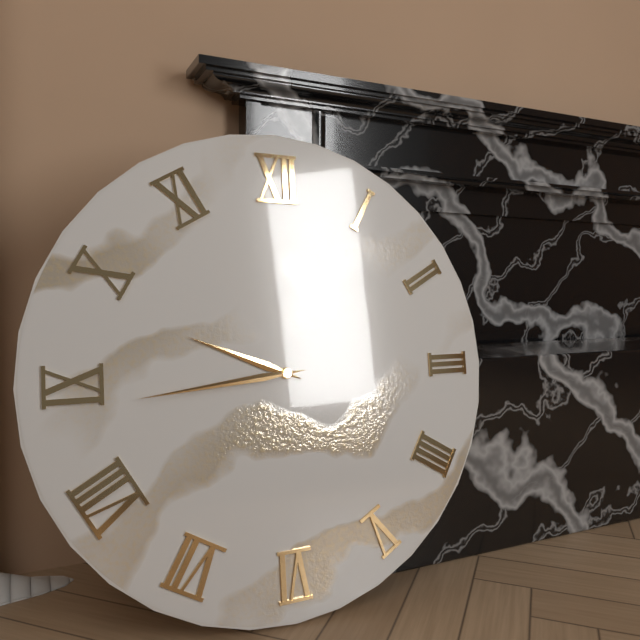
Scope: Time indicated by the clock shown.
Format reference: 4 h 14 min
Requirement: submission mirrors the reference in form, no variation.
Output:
9 h 44 min
